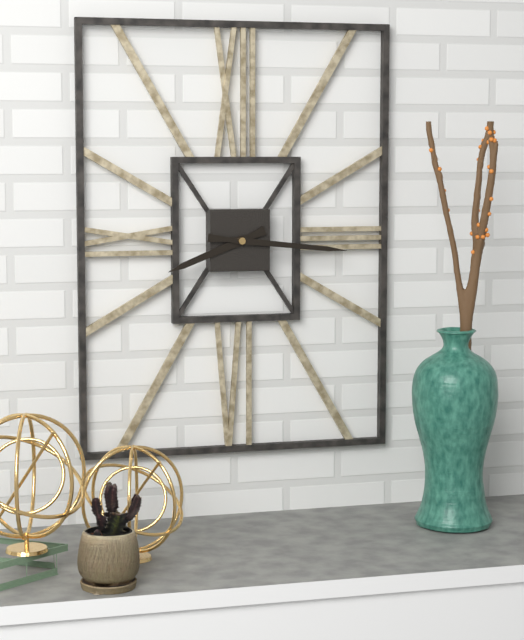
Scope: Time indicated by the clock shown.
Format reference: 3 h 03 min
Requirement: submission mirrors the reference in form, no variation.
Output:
8 h 16 min
